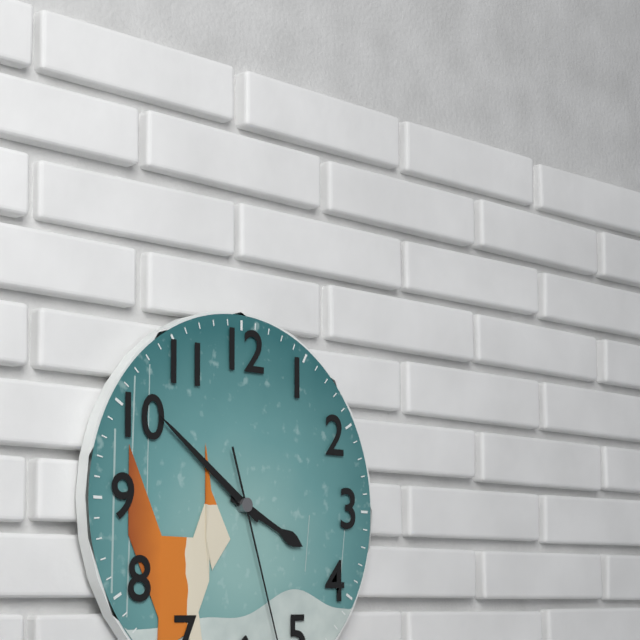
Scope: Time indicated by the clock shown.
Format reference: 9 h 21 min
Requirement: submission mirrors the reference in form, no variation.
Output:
3 h 51 min
